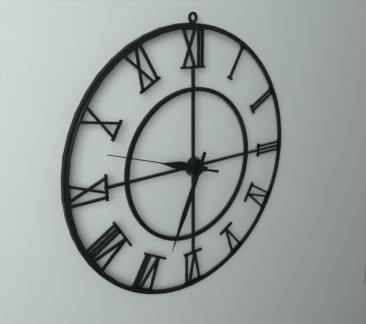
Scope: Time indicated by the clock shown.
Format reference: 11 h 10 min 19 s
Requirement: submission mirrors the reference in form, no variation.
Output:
9 h 34 min 48 s
